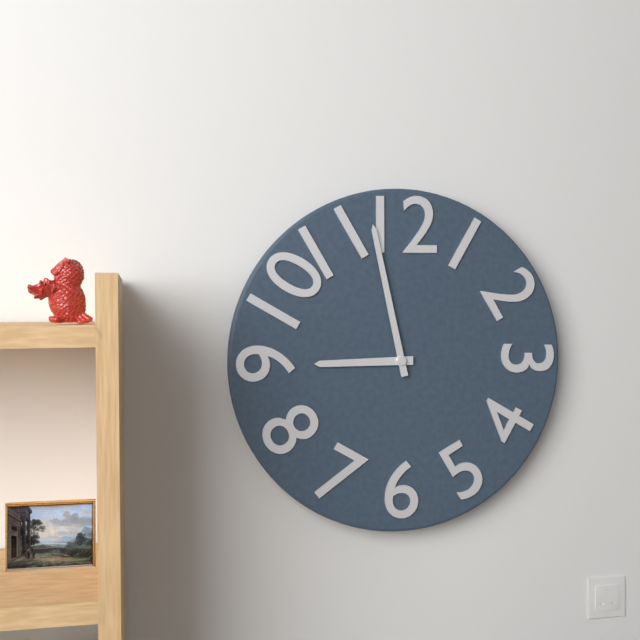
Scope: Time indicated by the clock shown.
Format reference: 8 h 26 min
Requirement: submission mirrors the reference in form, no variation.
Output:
8 h 58 min
